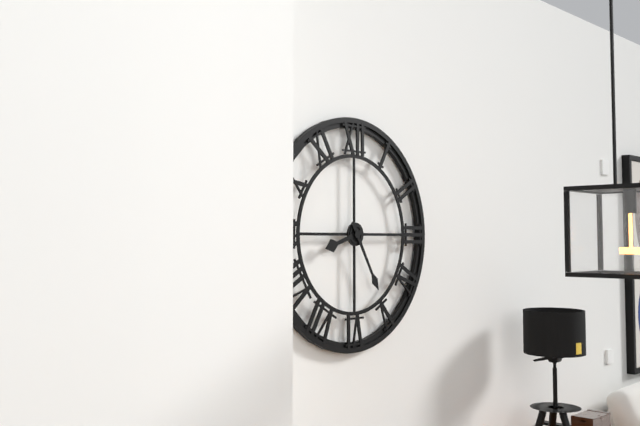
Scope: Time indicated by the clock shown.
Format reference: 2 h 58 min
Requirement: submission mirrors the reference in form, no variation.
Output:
8 h 25 min
